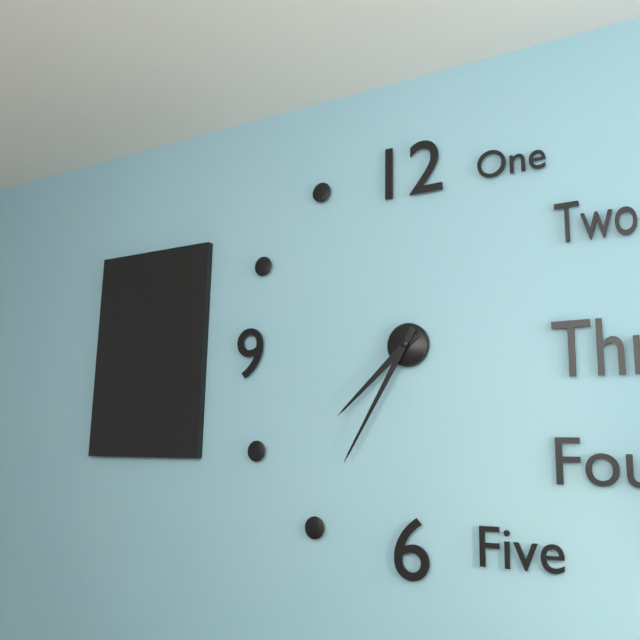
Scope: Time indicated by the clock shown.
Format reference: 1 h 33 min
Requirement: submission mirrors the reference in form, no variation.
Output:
7 h 35 min
